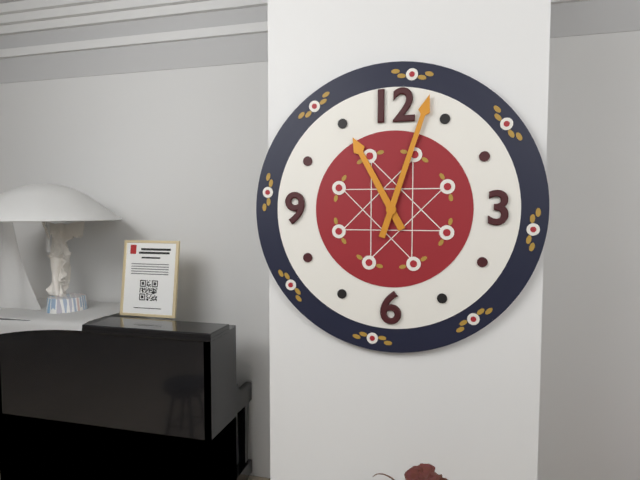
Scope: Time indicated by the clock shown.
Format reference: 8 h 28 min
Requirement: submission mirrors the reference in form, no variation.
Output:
11 h 03 min
